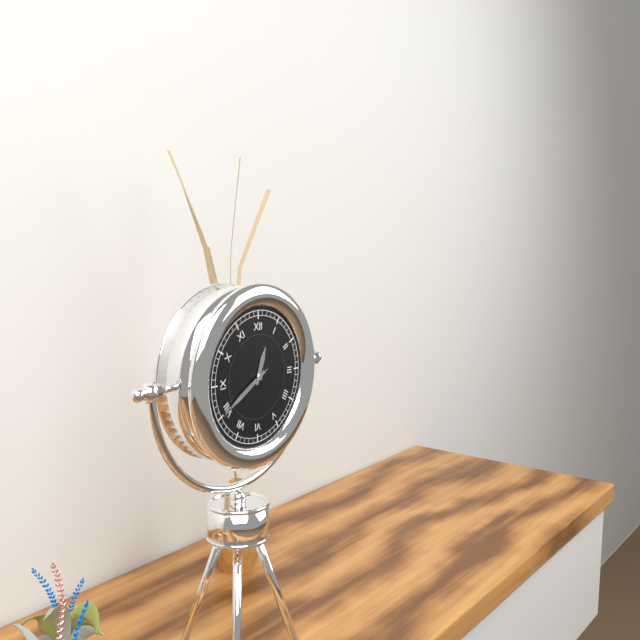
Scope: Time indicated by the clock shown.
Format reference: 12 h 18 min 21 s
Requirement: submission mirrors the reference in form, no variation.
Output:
12 h 40 min 40 s
